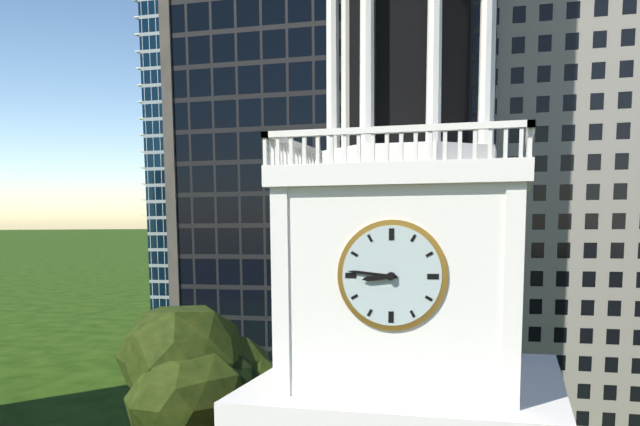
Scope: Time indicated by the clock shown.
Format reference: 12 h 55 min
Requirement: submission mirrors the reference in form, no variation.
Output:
8 h 46 min
